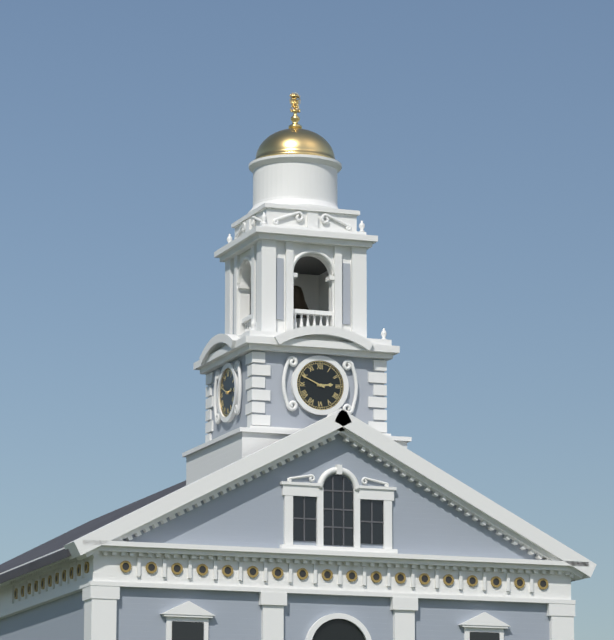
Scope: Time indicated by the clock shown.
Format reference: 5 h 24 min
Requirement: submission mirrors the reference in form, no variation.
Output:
2 h 49 min
